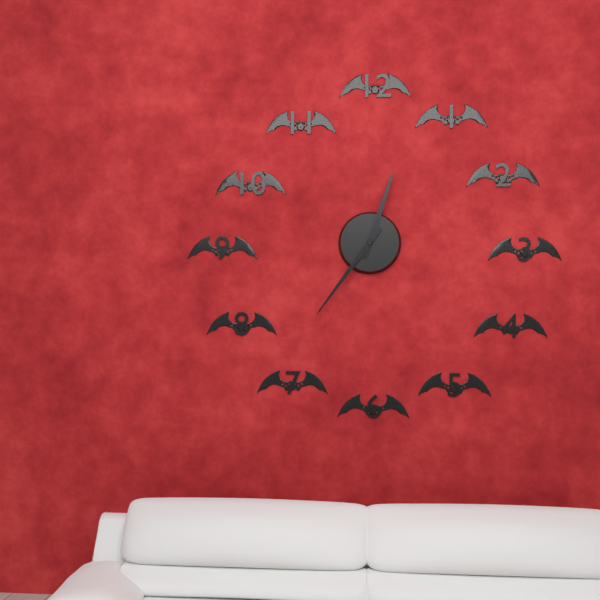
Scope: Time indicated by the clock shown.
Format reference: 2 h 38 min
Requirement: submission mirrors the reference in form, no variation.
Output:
12 h 36 min
